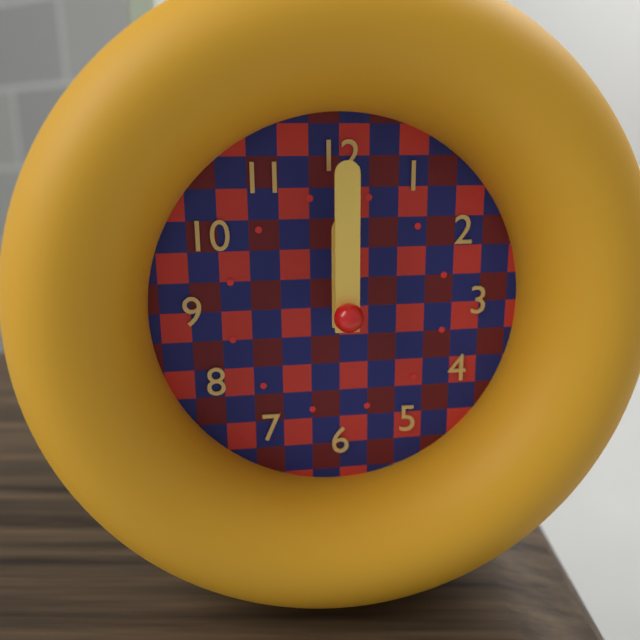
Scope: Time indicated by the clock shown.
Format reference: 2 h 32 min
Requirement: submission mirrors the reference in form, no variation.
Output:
12 h 00 min
